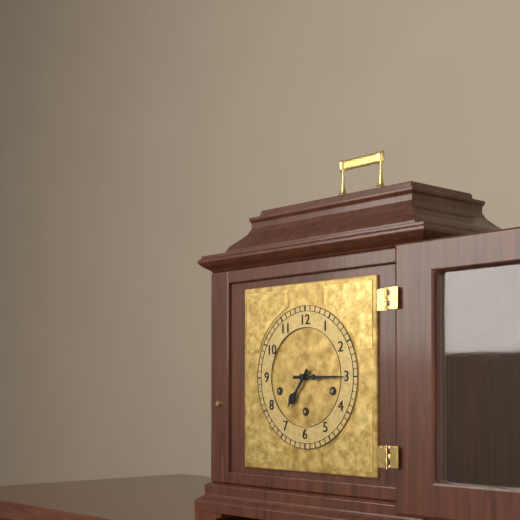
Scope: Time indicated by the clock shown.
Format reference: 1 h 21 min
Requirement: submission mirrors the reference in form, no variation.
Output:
7 h 15 min
